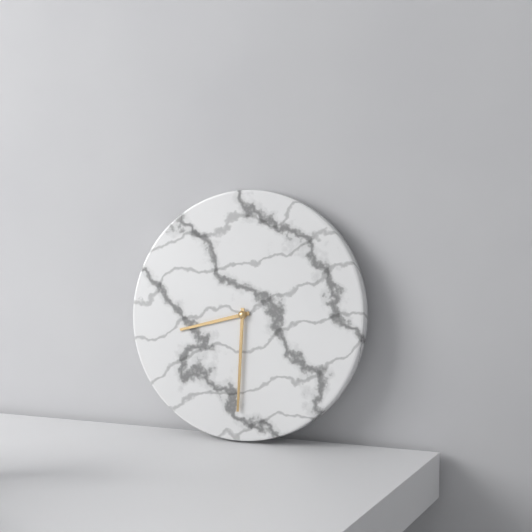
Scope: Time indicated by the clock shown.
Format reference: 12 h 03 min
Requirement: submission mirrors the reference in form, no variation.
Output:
8 h 30 min
